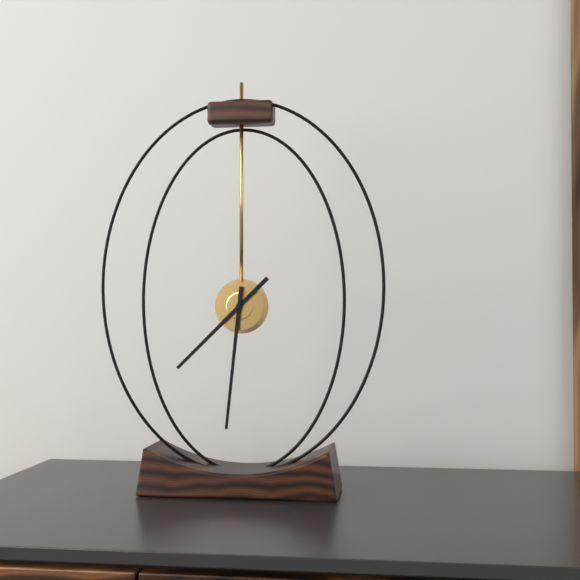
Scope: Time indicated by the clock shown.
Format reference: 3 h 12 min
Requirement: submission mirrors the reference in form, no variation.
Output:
7 h 31 min
